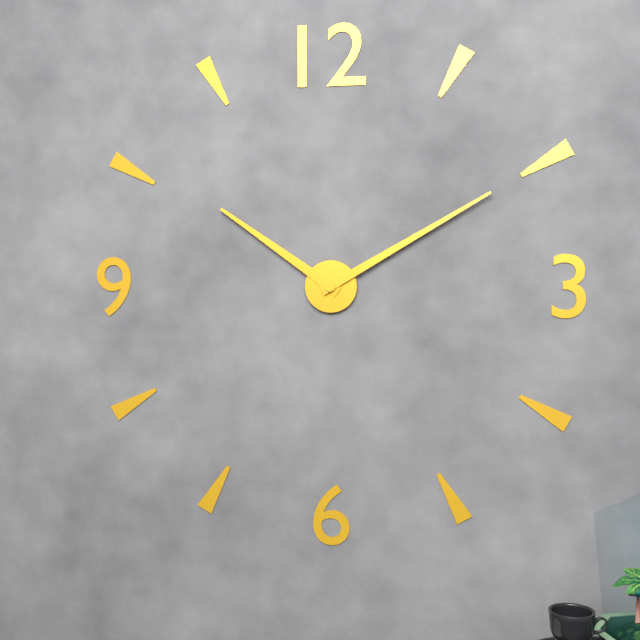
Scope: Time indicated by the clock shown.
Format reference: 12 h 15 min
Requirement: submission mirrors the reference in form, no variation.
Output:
10 h 10 min
